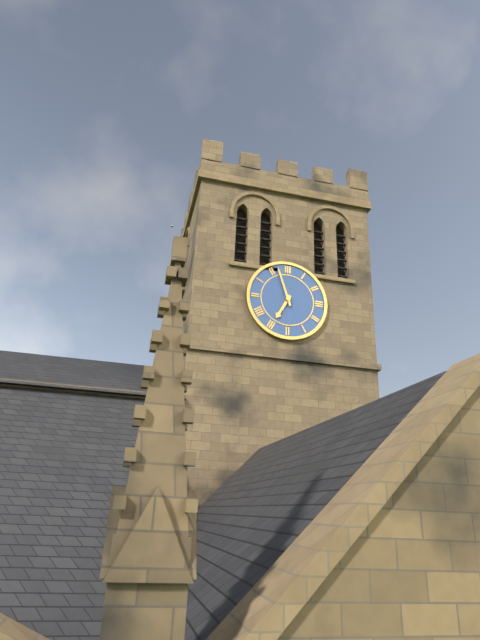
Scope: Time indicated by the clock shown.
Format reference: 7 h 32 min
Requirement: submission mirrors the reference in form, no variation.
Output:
6 h 57 min
